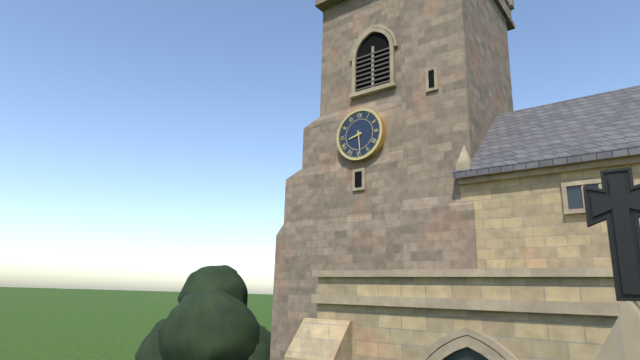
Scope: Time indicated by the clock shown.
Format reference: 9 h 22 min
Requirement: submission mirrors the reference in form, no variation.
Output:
8 h 29 min
